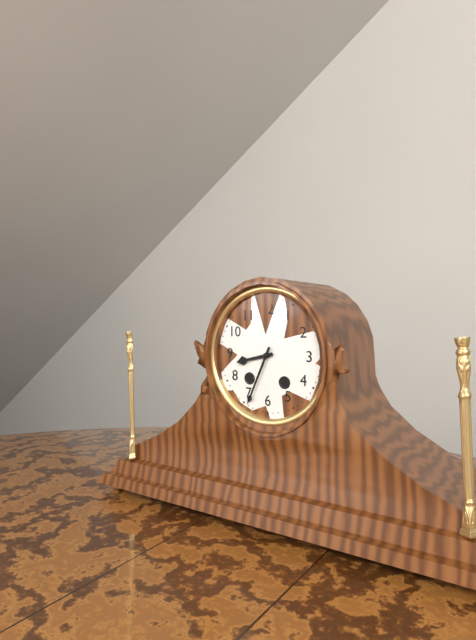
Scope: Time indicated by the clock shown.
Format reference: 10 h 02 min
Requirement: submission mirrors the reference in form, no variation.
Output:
8 h 34 min
